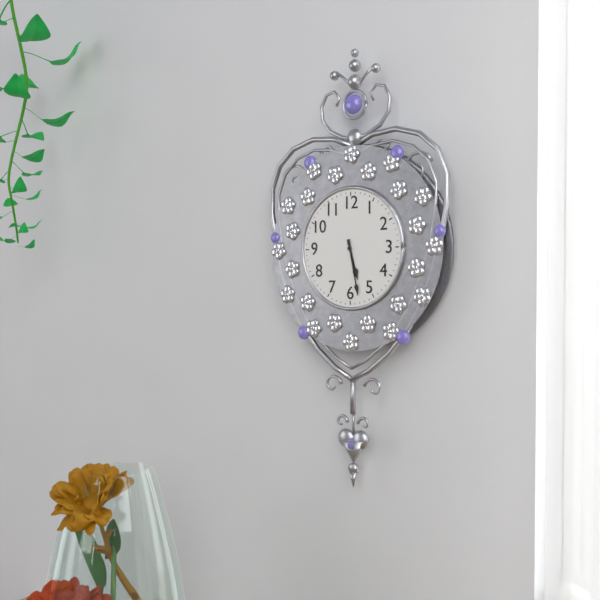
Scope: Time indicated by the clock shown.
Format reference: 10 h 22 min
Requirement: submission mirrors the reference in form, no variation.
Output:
5 h 28 min
